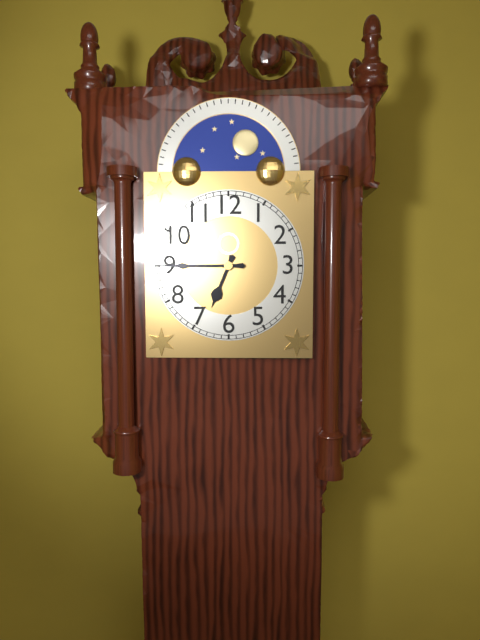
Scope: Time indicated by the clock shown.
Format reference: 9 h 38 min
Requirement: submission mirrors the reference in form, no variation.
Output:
6 h 45 min
